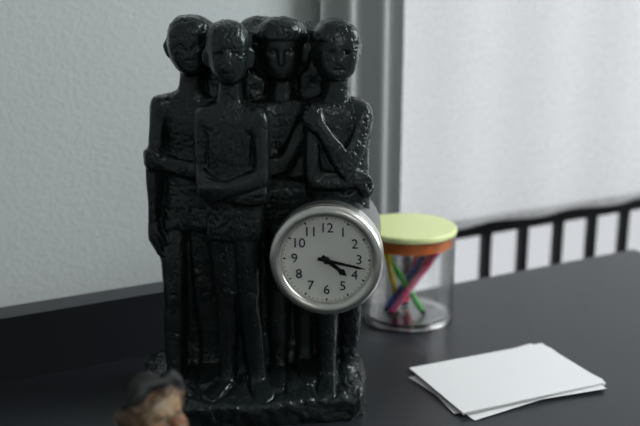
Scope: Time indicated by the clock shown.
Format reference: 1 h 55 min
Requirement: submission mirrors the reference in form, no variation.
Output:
4 h 17 min
